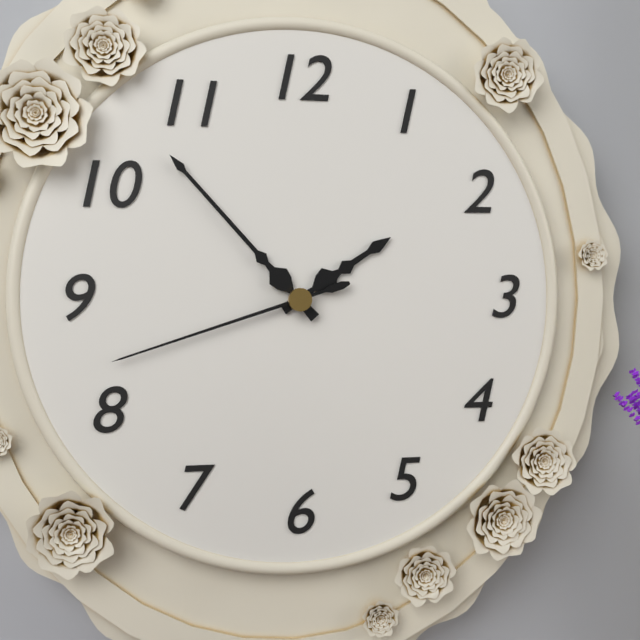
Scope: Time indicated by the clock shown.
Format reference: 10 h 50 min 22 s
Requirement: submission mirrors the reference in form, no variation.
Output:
1 h 53 min 42 s
